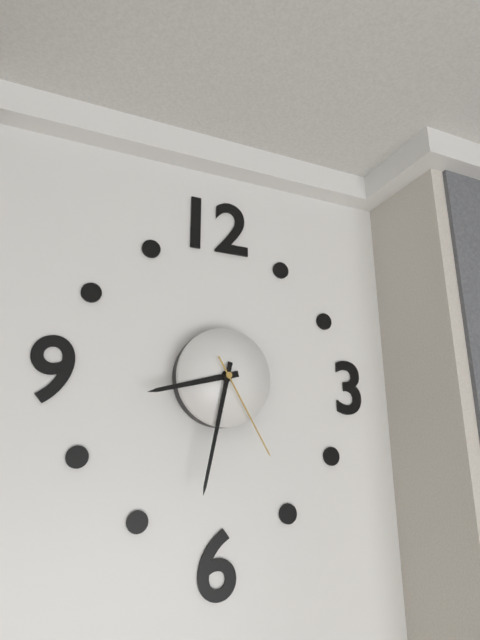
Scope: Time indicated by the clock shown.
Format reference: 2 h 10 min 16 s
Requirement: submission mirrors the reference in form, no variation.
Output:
8 h 32 min 25 s
